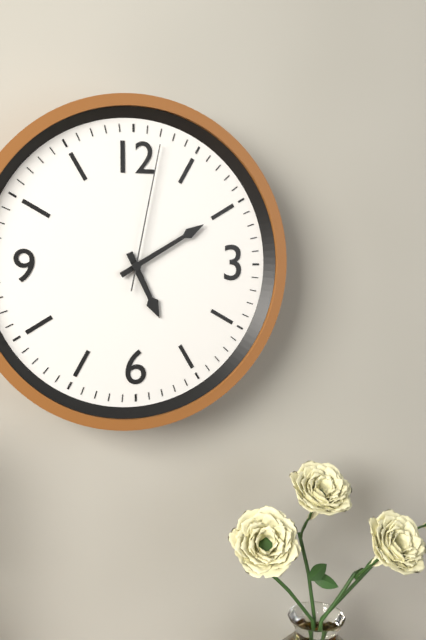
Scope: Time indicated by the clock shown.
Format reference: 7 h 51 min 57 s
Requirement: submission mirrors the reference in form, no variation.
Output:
5 h 10 min 02 s
